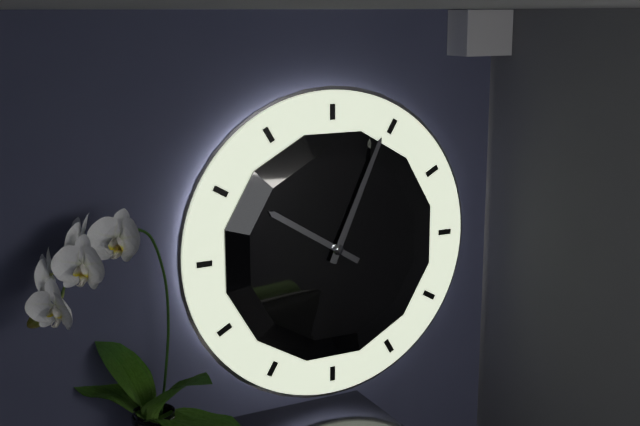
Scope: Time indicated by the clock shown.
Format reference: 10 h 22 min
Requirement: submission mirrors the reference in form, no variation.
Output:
10 h 04 min
